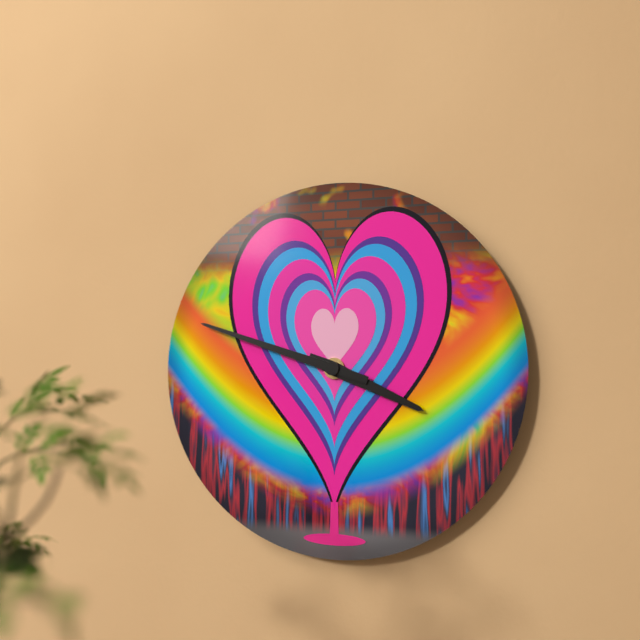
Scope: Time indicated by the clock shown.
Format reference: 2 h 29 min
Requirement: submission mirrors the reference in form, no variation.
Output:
3 h 48 min
